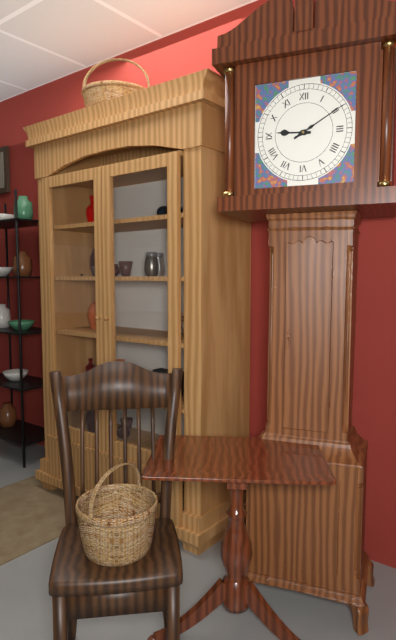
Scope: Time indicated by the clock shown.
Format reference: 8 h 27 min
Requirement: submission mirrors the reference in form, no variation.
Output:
9 h 10 min
